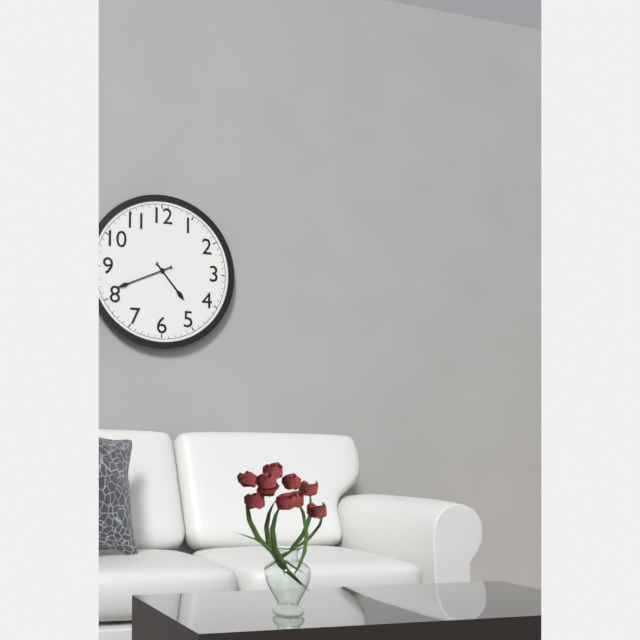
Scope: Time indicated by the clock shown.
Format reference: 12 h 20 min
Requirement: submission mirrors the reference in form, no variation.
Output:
4 h 41 min
